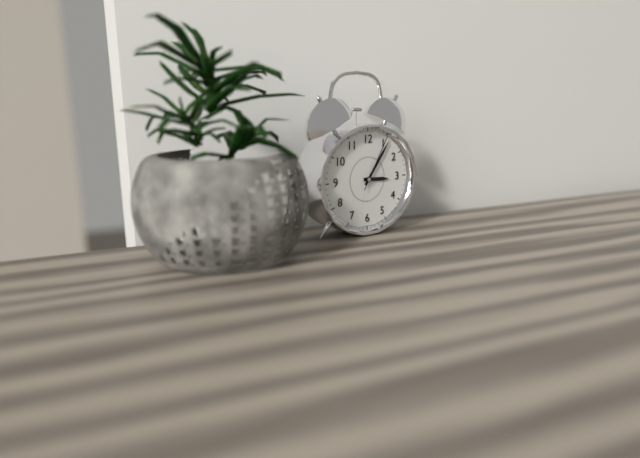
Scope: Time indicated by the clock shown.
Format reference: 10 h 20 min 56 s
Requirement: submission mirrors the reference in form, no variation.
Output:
3 h 06 min 05 s
